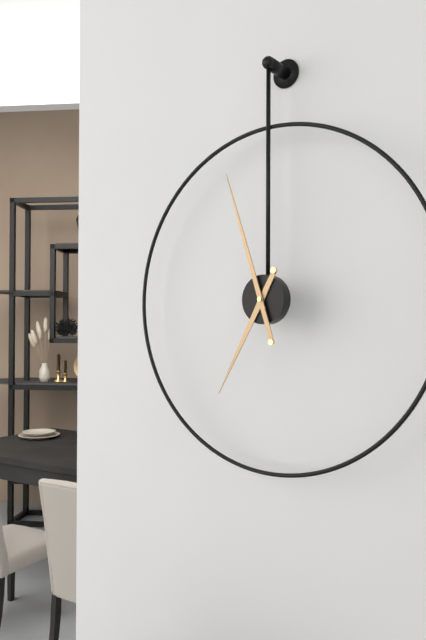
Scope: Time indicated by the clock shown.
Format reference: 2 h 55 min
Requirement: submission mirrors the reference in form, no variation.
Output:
6 h 57 min
